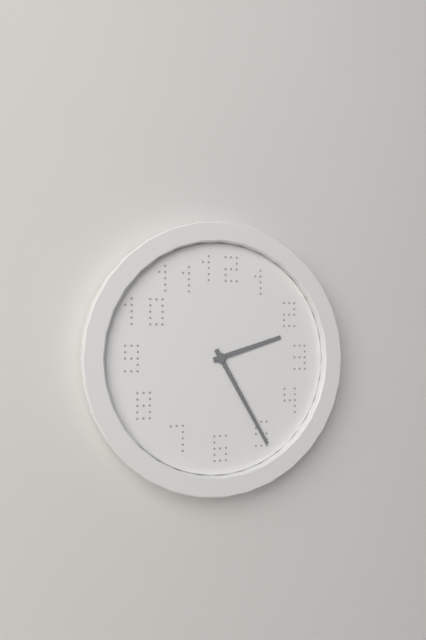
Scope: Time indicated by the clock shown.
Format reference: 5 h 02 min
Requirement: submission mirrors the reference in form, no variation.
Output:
2 h 25 min
